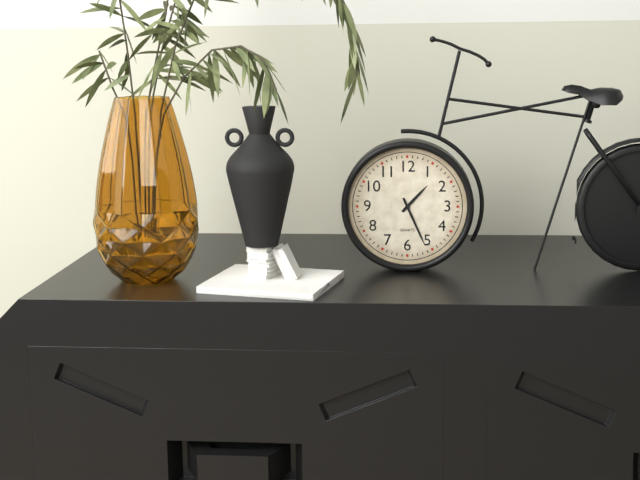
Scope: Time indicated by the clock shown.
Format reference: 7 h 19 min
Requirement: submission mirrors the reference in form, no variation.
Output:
1 h 26 min
